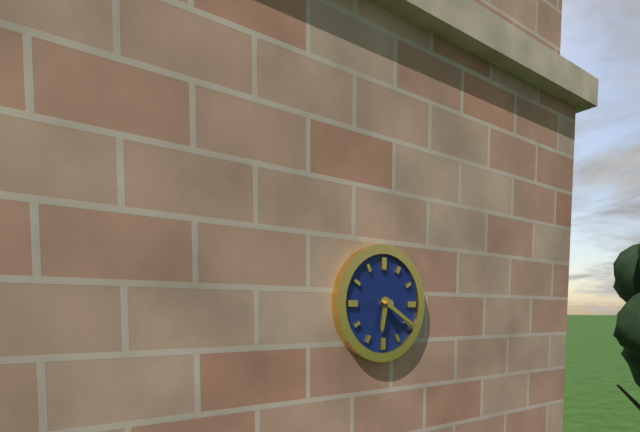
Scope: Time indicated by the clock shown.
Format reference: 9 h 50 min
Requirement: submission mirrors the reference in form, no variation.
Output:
6 h 20 min
